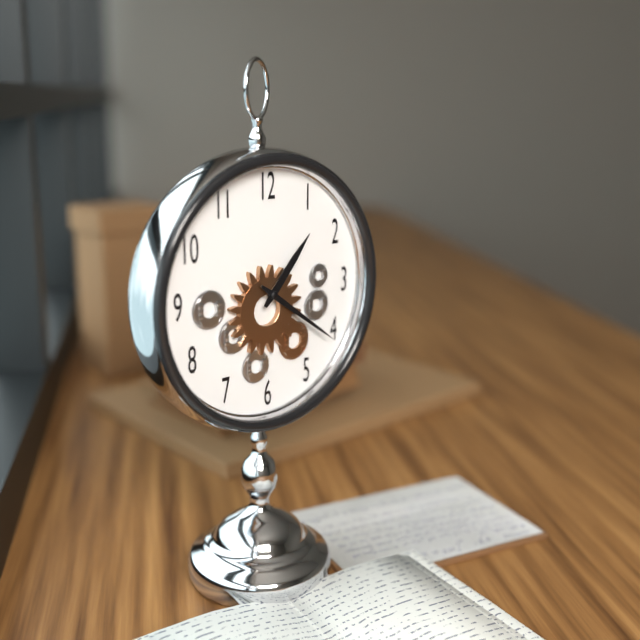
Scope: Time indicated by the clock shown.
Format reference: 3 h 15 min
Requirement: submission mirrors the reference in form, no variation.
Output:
1 h 21 min
